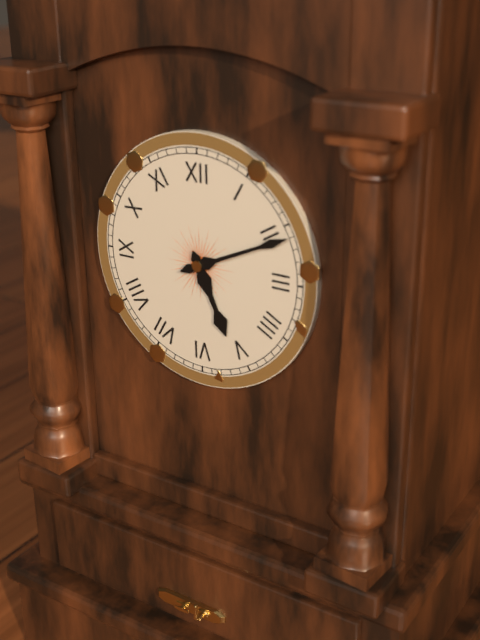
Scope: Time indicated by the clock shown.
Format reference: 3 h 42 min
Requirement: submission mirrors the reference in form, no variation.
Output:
5 h 11 min
